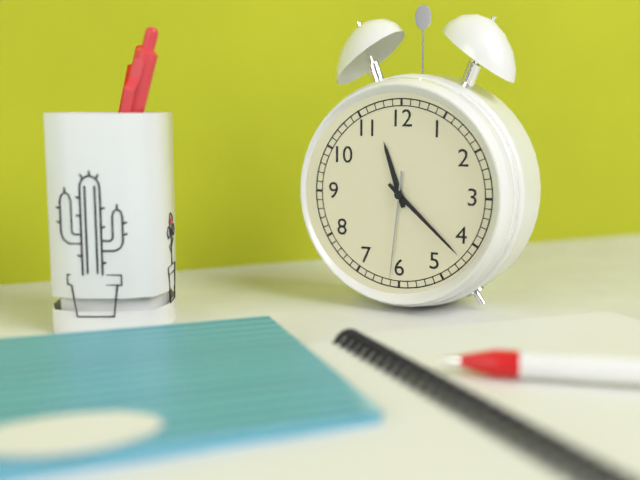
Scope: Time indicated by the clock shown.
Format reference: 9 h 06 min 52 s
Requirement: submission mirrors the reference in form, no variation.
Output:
11 h 22 min 31 s
